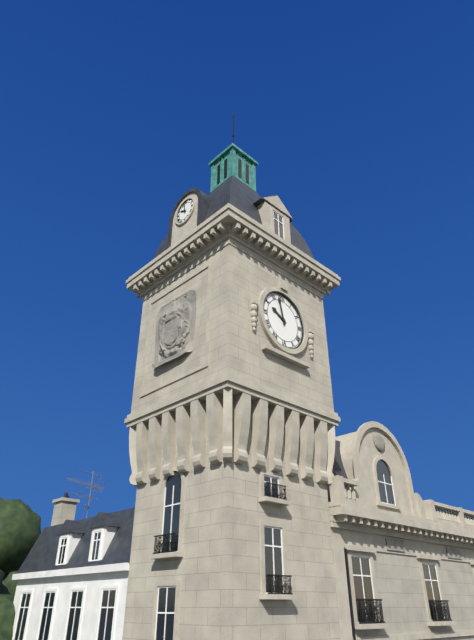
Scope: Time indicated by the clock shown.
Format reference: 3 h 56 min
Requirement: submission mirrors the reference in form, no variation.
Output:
9 h 58 min
